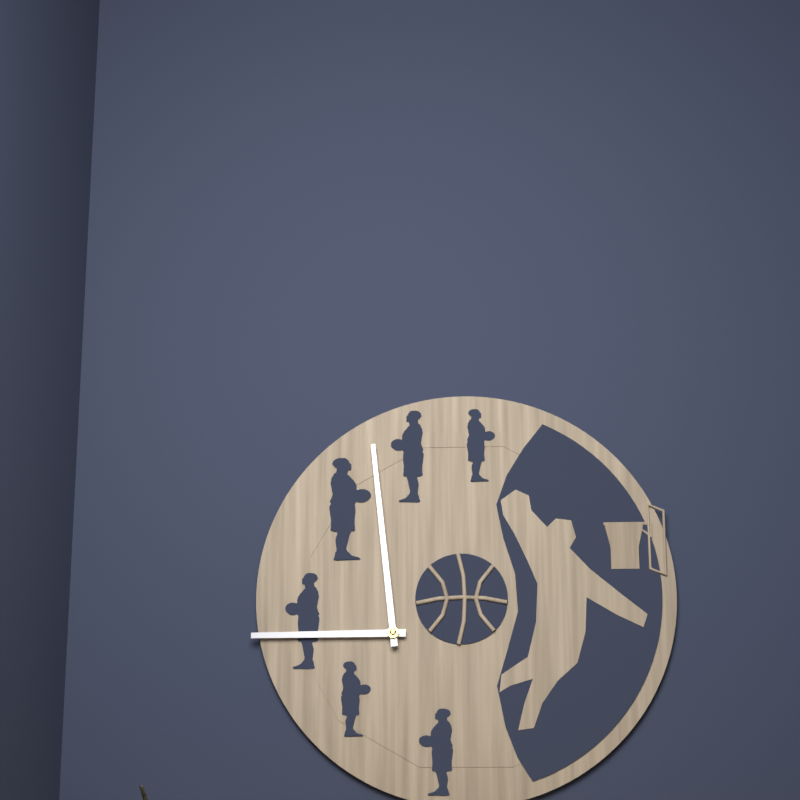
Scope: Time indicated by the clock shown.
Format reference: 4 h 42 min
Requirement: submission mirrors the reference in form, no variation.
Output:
8 h 59 min
